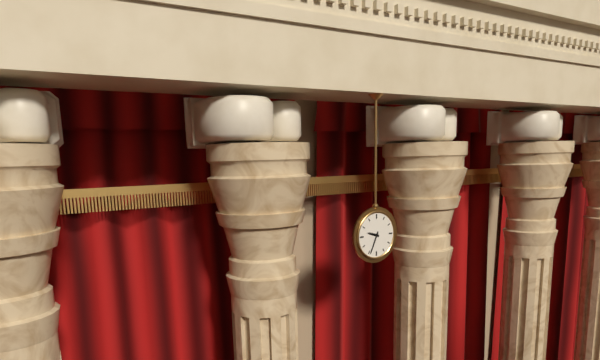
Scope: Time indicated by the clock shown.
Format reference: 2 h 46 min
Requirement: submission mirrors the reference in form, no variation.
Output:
9 h 34 min
